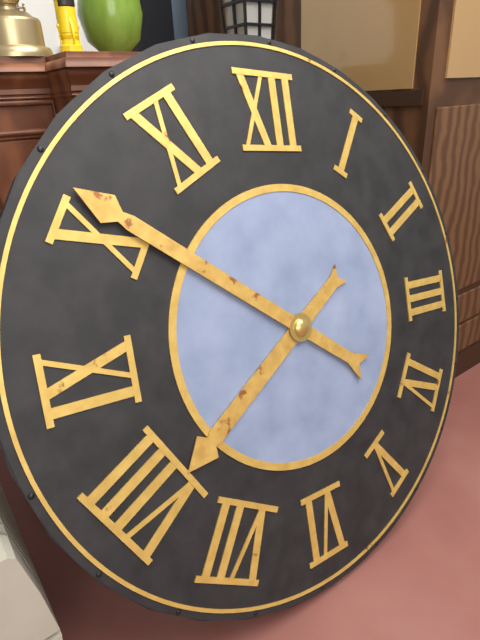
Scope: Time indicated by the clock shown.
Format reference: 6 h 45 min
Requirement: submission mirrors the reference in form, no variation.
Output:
7 h 51 min
